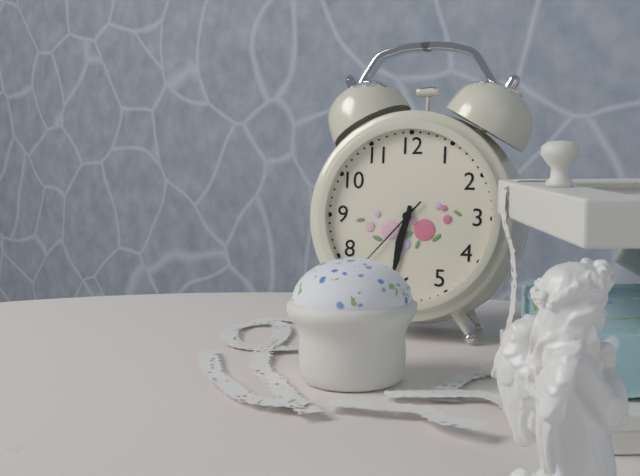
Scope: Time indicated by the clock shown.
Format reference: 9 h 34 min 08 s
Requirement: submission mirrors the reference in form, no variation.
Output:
6 h 32 min 37 s
